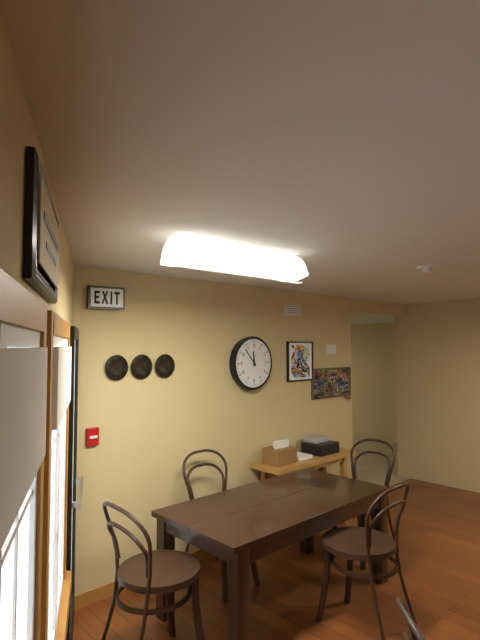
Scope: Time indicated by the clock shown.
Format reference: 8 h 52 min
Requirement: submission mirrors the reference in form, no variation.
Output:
11 h 53 min
